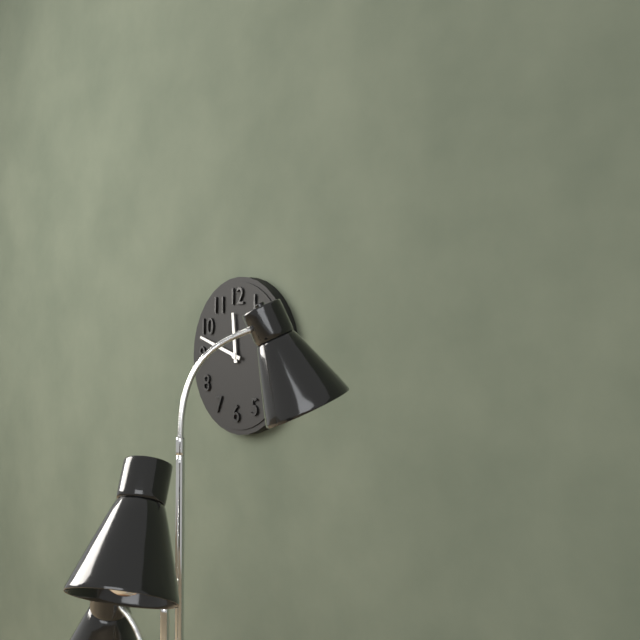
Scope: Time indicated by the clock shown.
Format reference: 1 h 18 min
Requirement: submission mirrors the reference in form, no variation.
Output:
11 h 48 min
